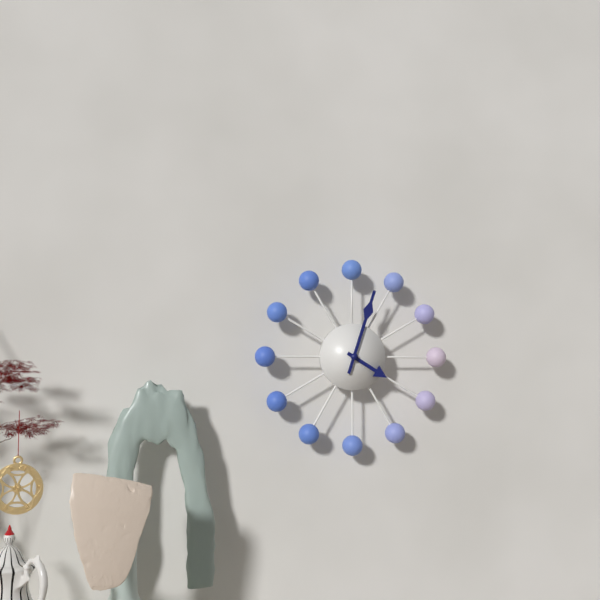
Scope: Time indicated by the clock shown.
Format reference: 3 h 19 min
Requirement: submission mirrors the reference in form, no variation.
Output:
4 h 03 min
